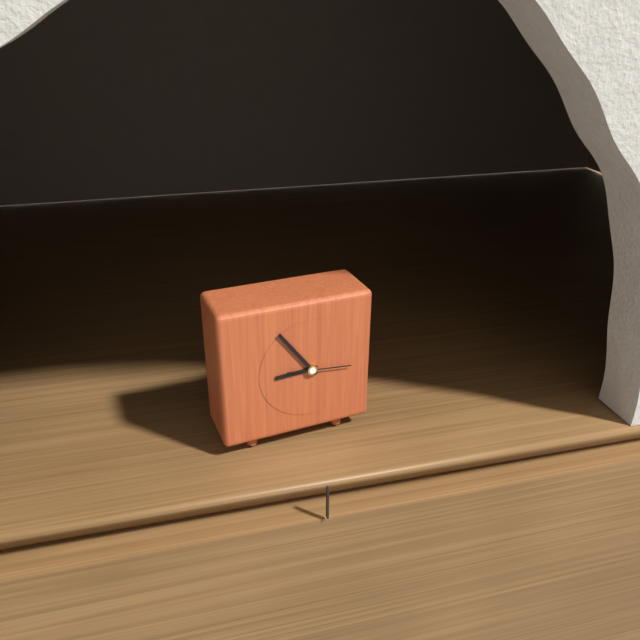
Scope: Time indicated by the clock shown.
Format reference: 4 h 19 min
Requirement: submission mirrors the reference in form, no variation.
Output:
8 h 54 min
